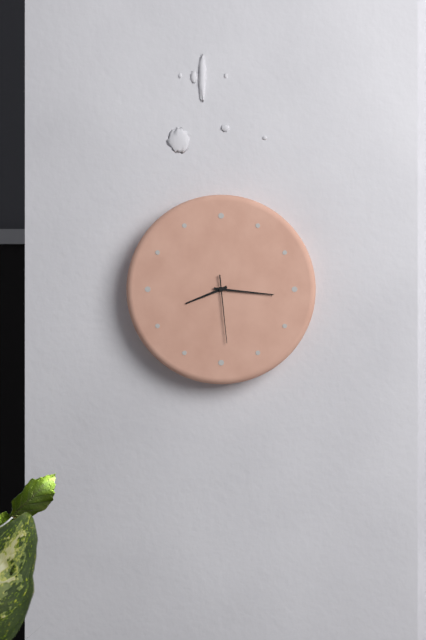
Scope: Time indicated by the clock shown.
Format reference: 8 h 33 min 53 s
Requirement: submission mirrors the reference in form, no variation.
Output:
8 h 16 min 29 s
